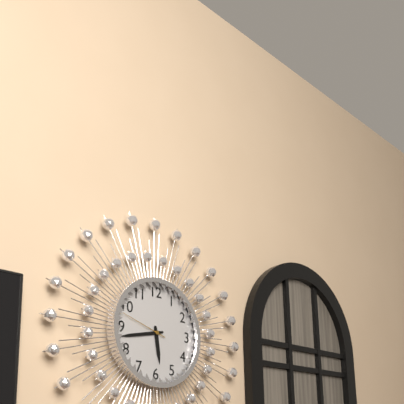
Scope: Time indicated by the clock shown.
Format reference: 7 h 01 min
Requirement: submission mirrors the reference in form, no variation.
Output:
5 h 43 min
